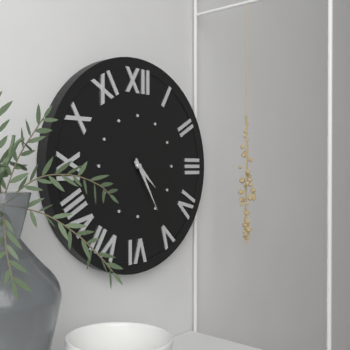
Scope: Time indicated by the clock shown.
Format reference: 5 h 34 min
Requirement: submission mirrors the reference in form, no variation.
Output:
4 h 25 min
